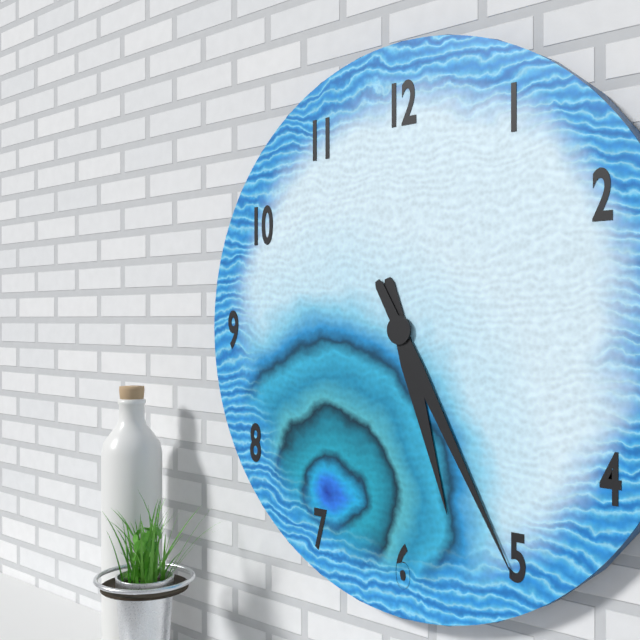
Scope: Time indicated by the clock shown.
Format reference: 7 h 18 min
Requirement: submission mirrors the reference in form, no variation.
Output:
5 h 25 min
